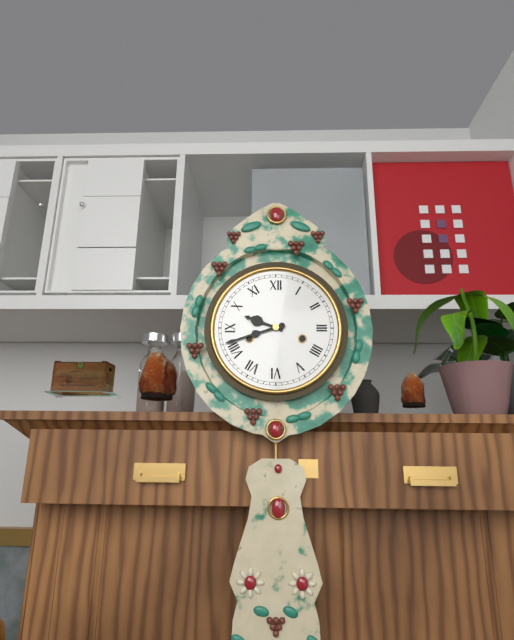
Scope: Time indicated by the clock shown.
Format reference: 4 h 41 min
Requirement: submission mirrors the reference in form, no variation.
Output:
9 h 42 min
